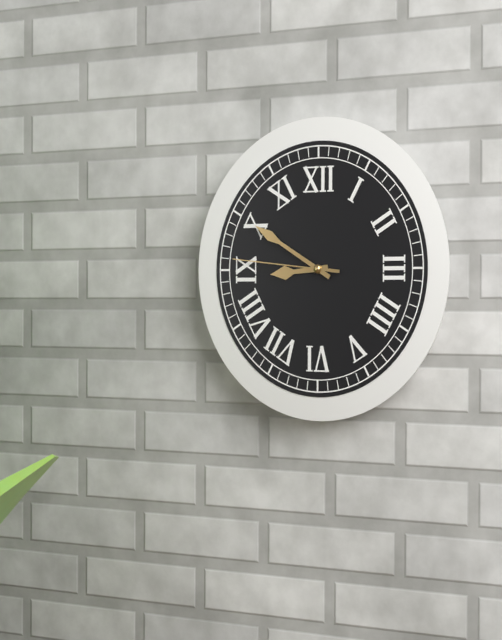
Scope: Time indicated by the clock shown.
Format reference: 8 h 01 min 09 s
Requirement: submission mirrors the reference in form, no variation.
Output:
8 h 50 min 46 s
